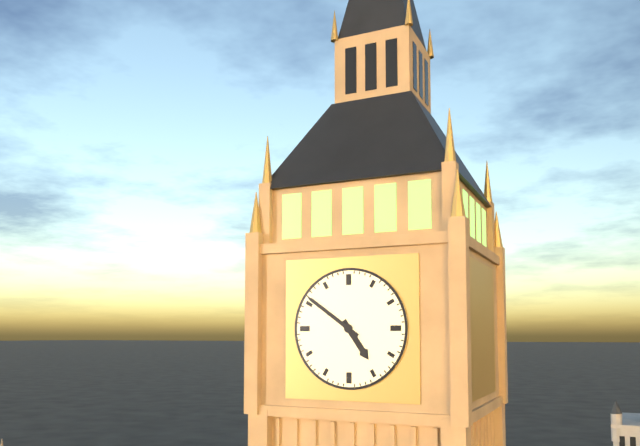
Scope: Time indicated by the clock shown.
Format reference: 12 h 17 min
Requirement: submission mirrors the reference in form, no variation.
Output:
4 h 51 min
